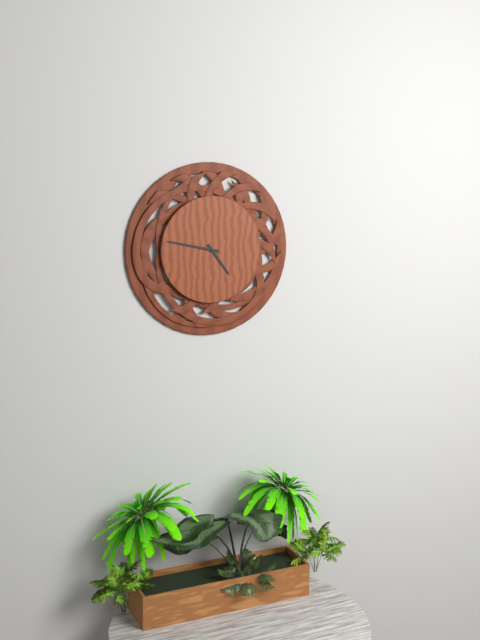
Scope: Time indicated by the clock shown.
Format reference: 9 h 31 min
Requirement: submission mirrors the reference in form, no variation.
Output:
4 h 47 min
